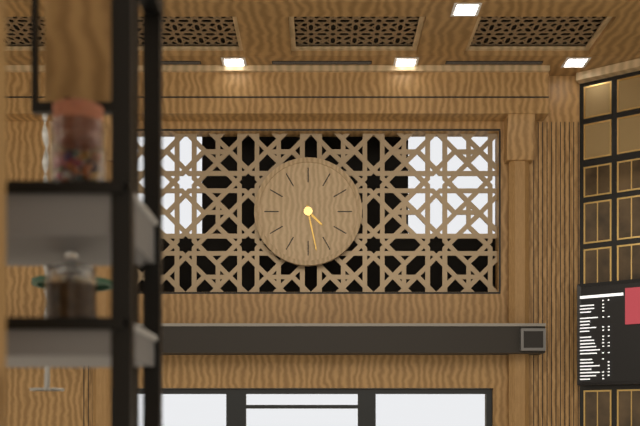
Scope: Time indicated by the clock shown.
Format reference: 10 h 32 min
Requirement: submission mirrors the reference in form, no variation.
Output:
4 h 28 min
